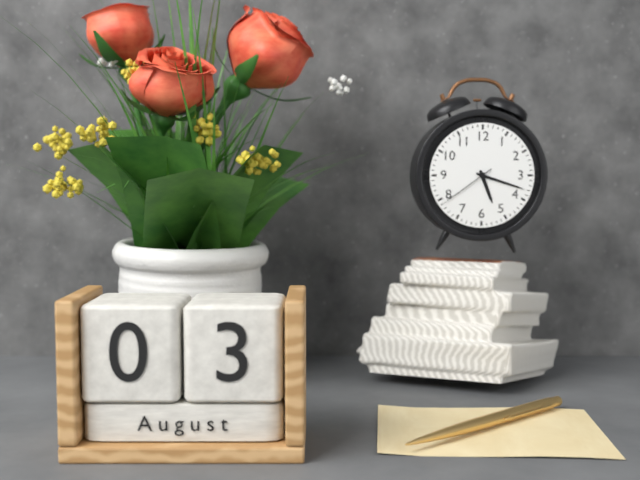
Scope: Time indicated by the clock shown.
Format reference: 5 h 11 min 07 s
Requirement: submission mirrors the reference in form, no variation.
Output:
5 h 18 min 39 s
